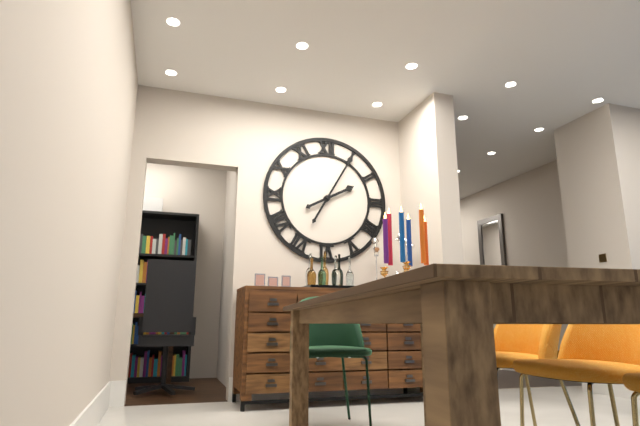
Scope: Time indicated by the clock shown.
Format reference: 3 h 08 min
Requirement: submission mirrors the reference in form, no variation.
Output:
2 h 05 min
